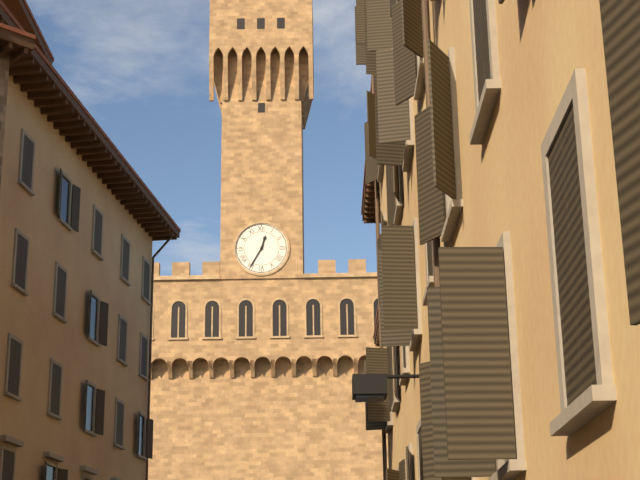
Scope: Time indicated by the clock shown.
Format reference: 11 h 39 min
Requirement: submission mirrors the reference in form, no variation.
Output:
12 h 35 min
